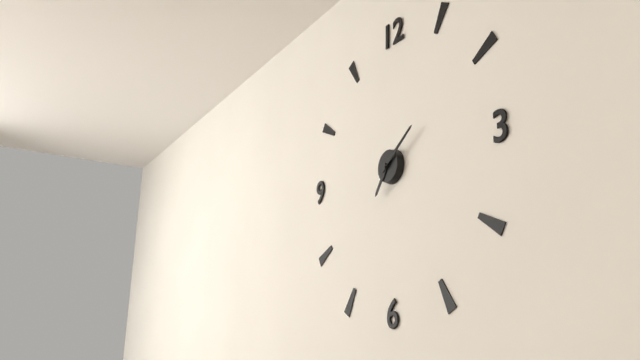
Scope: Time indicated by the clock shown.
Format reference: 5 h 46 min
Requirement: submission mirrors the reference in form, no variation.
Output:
7 h 09 min
